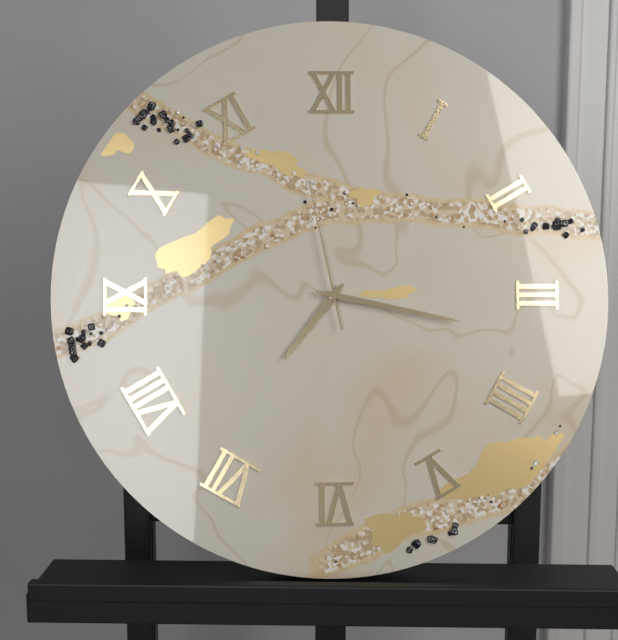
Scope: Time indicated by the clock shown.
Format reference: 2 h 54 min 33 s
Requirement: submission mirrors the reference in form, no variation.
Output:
7 h 17 min 58 s
